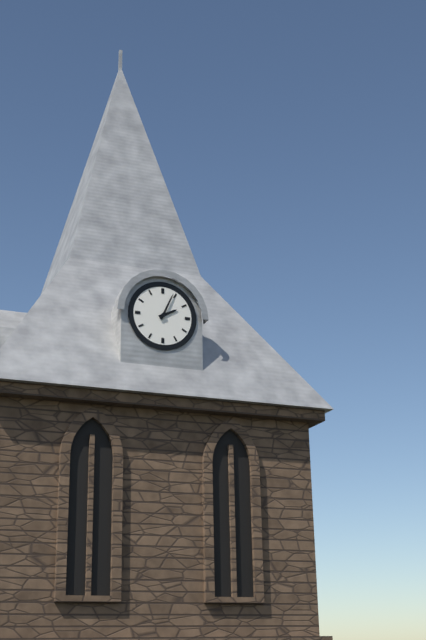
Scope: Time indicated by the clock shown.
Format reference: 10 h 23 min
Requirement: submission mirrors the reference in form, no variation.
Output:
2 h 04 min
